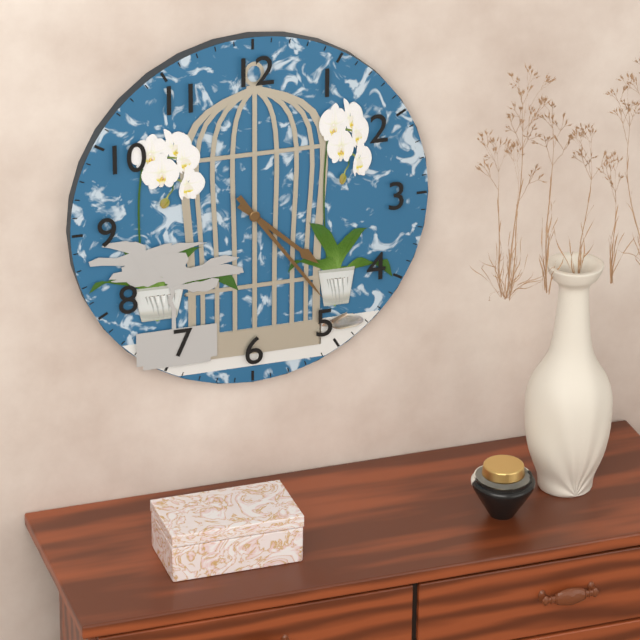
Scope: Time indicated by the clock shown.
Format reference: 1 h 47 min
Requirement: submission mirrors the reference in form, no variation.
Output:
4 h 24 min
